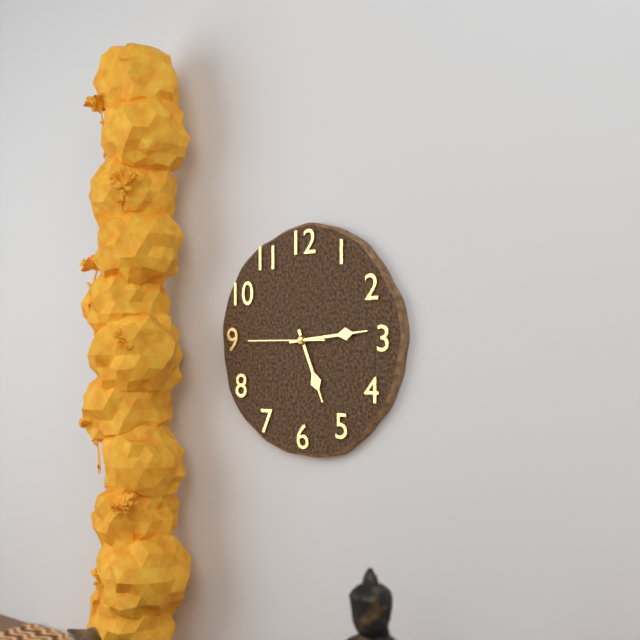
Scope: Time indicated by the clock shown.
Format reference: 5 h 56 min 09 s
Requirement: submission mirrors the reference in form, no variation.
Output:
5 h 14 min 45 s
